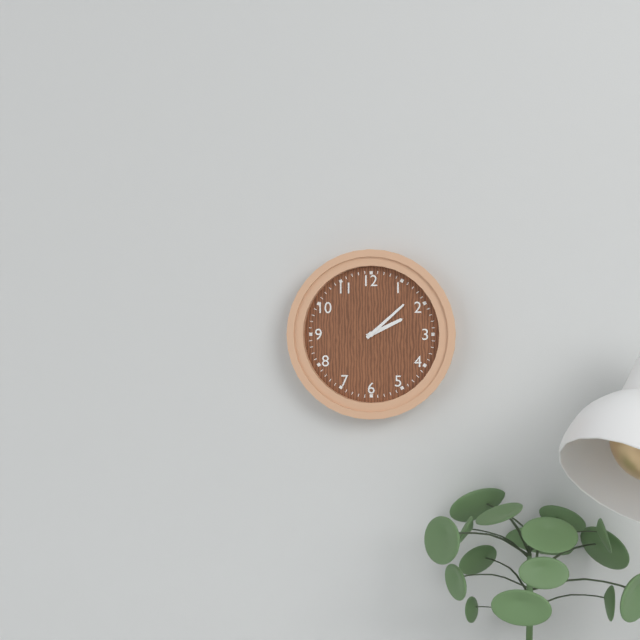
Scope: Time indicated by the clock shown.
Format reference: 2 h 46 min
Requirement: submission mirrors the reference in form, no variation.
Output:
2 h 08 min
